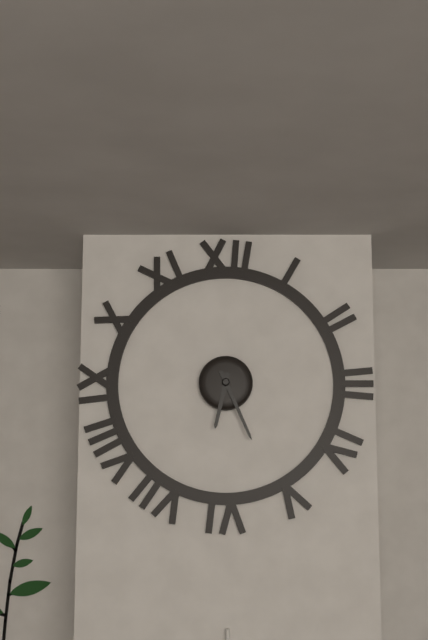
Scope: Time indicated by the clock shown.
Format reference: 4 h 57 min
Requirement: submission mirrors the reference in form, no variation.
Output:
6 h 26 min
